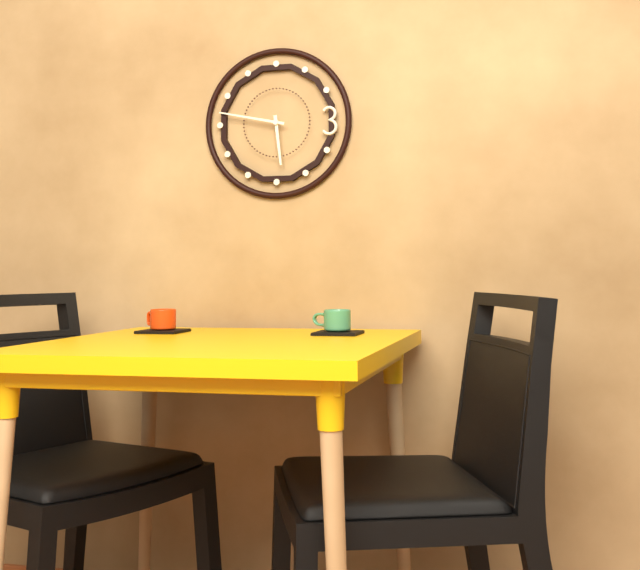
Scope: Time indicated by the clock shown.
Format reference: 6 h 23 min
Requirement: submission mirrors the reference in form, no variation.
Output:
5 h 47 min
